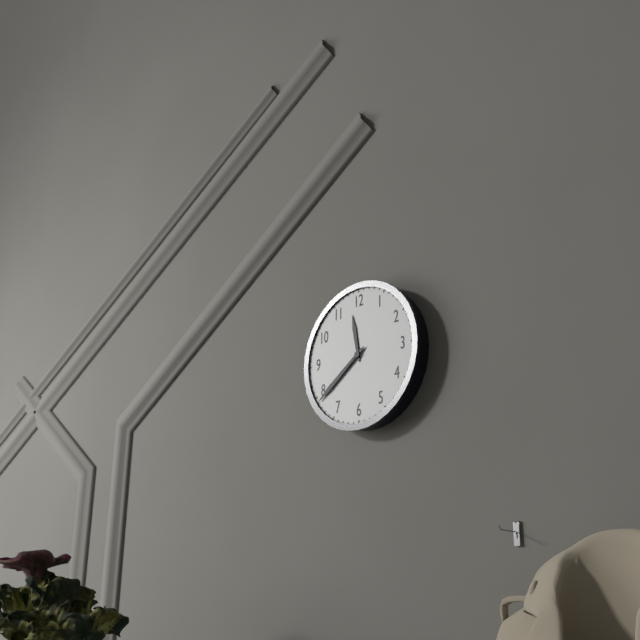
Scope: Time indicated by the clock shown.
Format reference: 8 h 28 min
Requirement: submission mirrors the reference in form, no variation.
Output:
11 h 39 min
